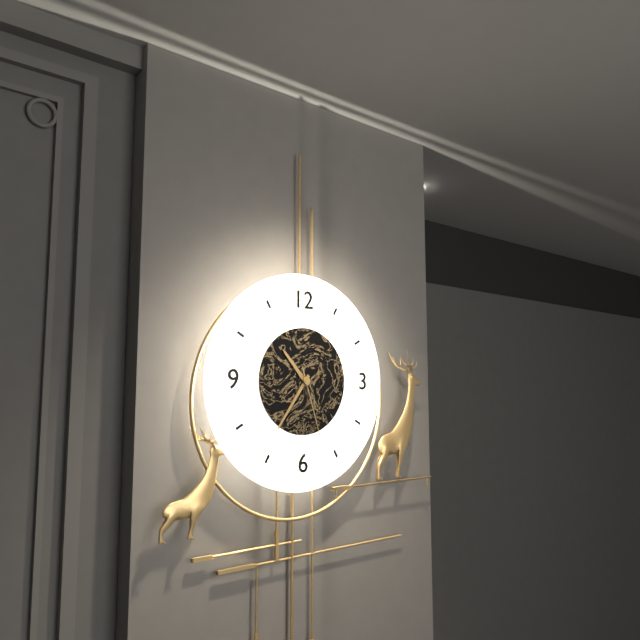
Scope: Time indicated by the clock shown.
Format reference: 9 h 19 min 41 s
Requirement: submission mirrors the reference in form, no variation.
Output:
10 h 36 min 27 s
